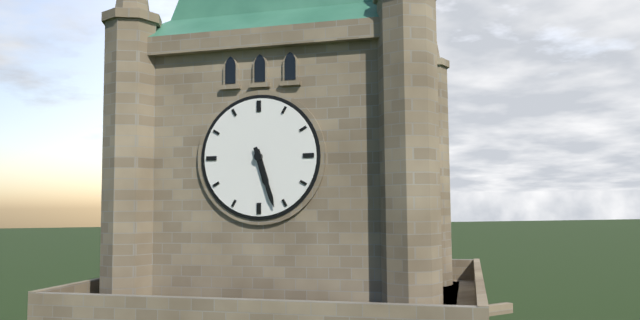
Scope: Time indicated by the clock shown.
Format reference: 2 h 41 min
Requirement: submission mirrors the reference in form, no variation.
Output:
5 h 27 min
